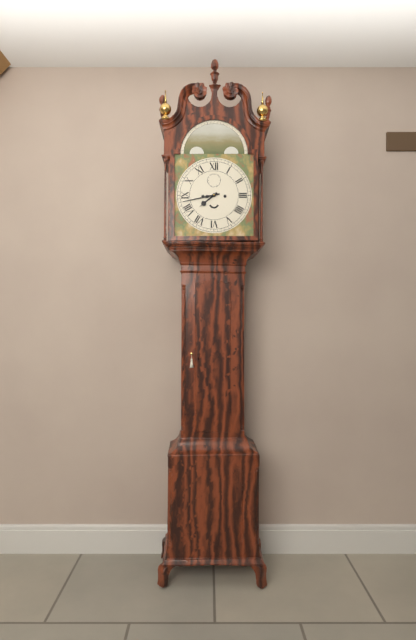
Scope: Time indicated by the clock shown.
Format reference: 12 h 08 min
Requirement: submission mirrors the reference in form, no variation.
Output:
7 h 43 min
